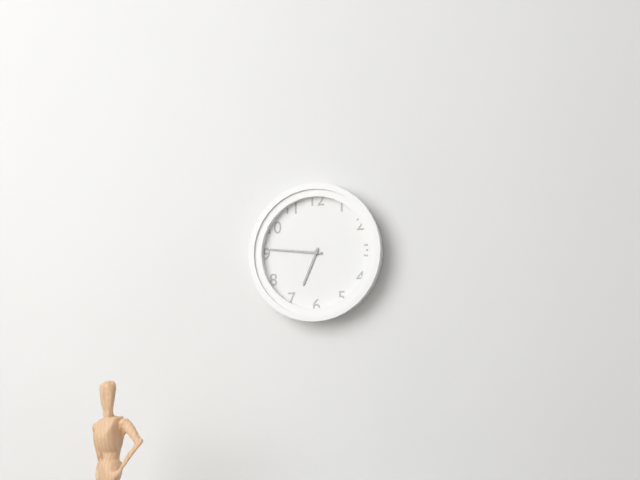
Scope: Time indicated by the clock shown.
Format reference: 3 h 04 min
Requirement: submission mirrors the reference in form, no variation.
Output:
6 h 46 min
